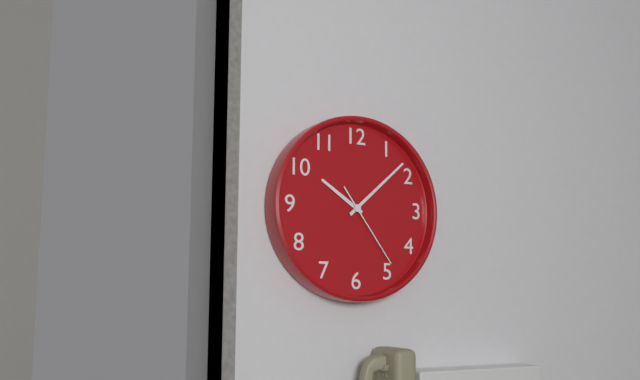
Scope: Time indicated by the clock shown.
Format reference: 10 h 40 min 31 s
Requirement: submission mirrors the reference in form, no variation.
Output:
10 h 08 min 24 s
